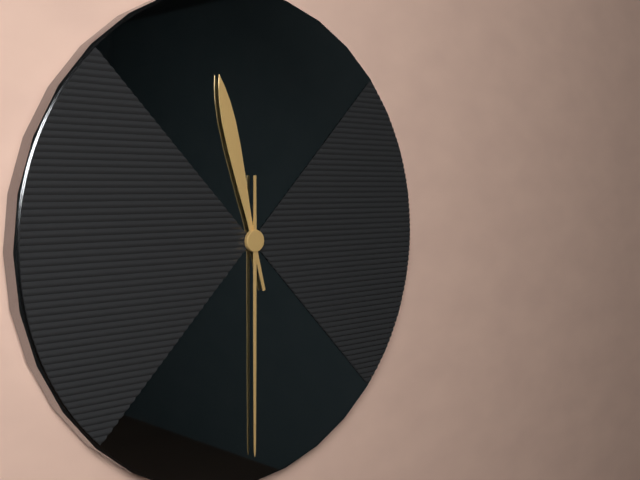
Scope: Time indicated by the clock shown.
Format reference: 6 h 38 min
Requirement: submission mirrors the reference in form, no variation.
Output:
11 h 30 min
